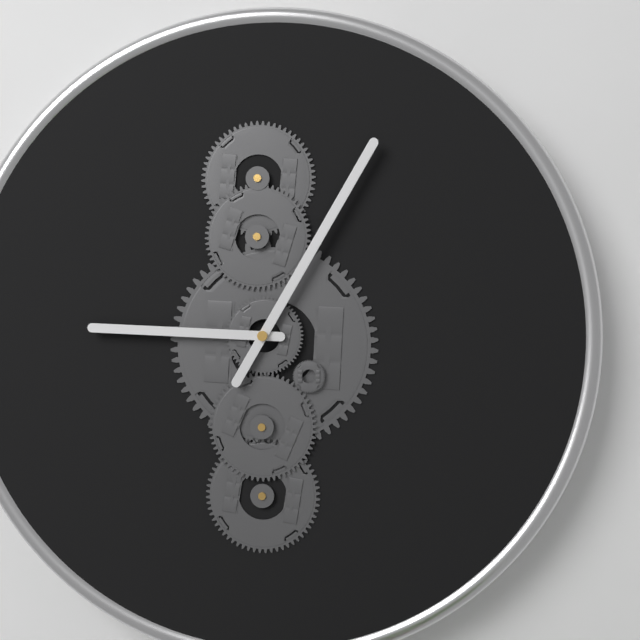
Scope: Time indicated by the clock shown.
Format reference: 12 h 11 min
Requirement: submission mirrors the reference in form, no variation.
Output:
9 h 05 min
